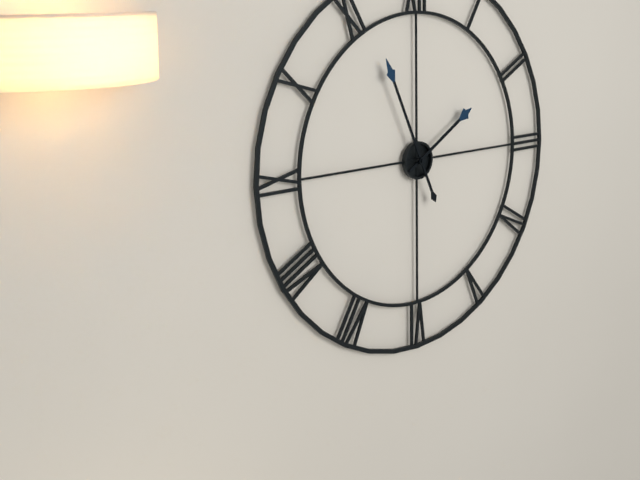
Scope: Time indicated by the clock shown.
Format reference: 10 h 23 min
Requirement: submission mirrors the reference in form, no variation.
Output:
1 h 56 min
